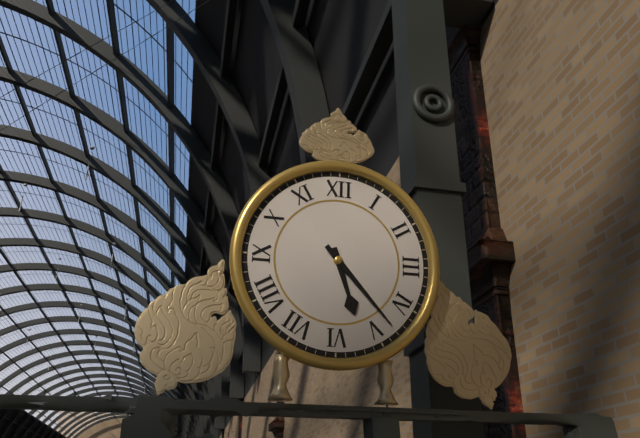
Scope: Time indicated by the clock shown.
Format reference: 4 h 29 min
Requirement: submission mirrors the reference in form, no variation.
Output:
5 h 23 min
